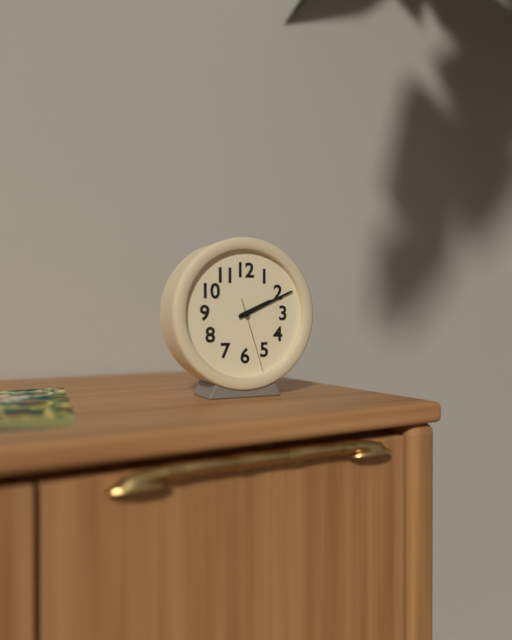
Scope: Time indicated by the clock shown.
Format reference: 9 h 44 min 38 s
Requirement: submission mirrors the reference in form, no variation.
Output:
2 h 11 min 27 s
